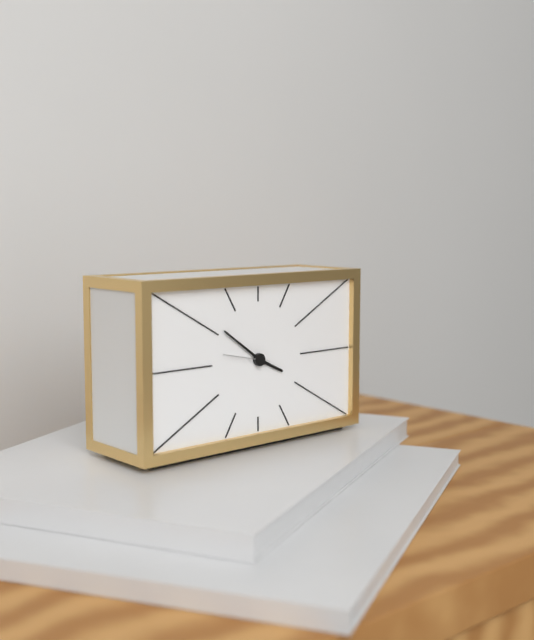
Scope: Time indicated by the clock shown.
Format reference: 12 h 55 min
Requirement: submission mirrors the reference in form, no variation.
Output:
3 h 51 min
